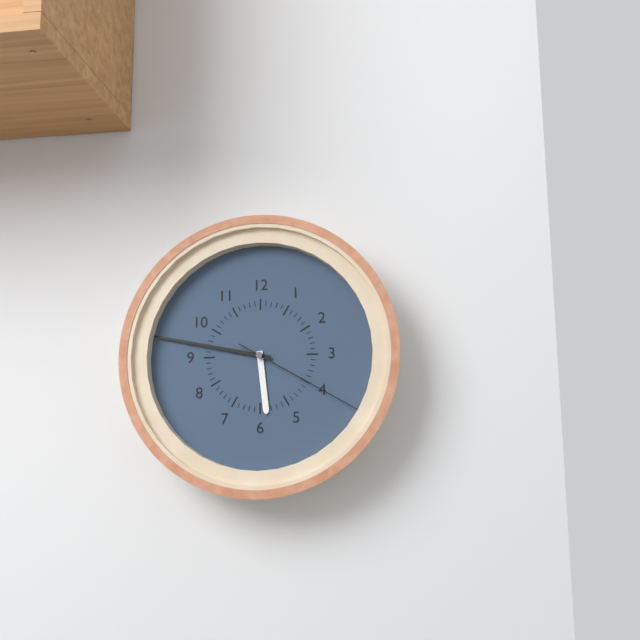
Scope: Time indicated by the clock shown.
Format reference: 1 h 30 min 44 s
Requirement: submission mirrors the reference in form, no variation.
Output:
5 h 47 min 20 s
